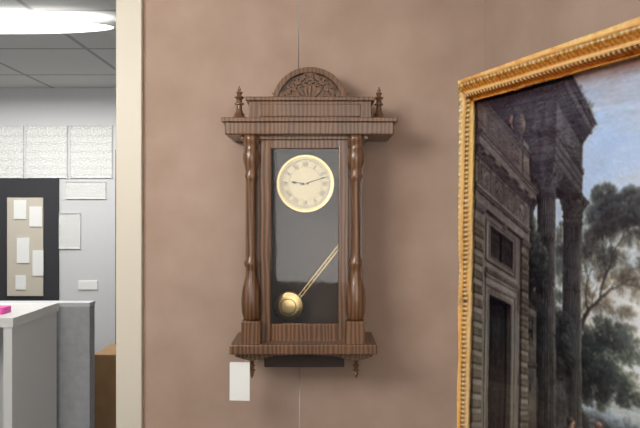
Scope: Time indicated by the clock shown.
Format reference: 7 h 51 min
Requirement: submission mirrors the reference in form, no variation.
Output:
9 h 12 min
